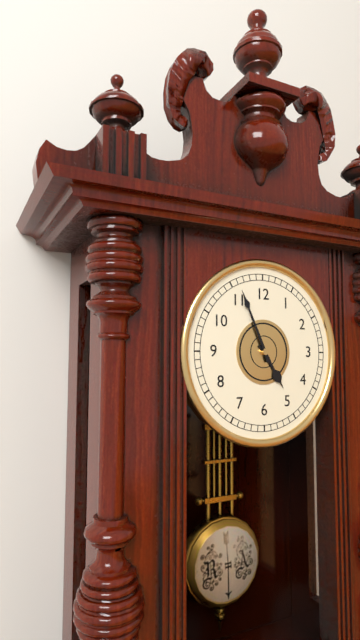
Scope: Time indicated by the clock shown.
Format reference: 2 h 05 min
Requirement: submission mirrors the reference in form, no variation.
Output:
4 h 56 min
